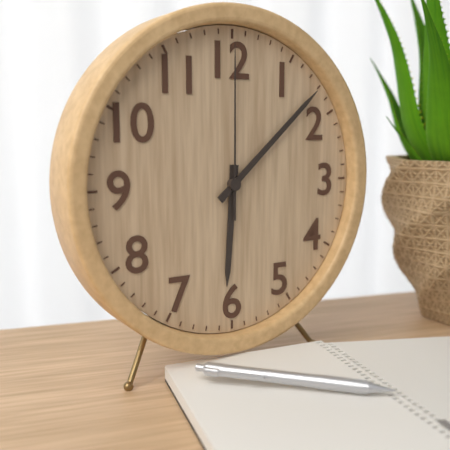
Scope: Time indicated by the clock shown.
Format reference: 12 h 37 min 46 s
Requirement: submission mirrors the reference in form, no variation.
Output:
6 h 08 min 00 s
